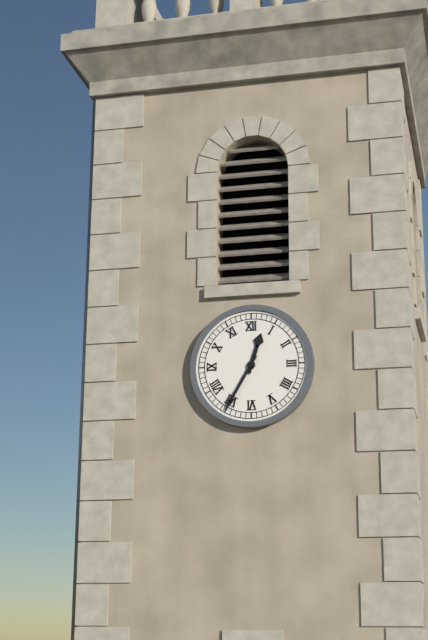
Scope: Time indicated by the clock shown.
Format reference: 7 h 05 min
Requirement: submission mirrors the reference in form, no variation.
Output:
12 h 35 min
